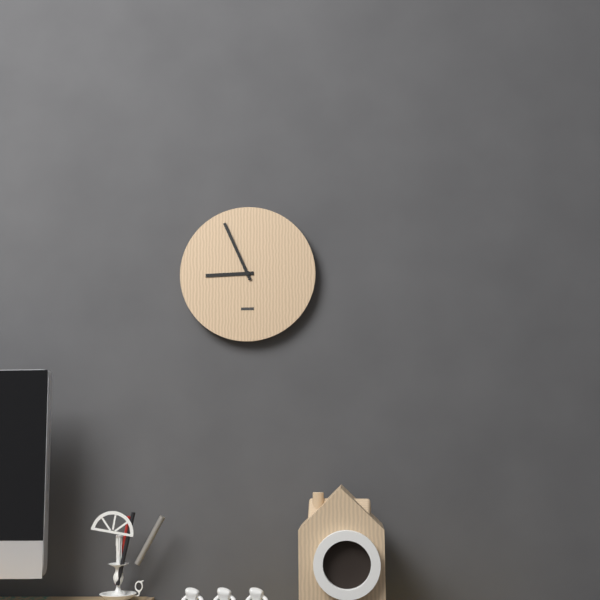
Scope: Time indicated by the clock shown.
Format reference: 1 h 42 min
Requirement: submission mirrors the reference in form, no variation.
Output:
8 h 56 min
